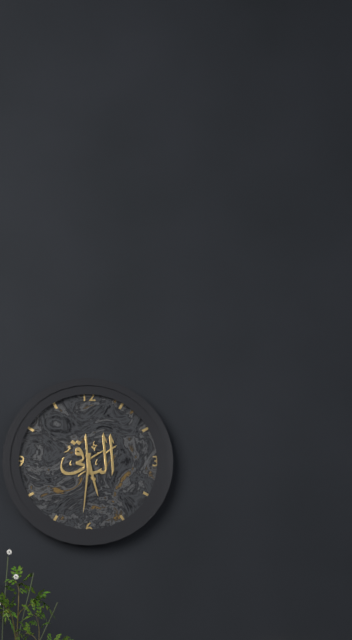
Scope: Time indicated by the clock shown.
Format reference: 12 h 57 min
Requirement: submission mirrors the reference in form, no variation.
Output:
5 h 31 min
